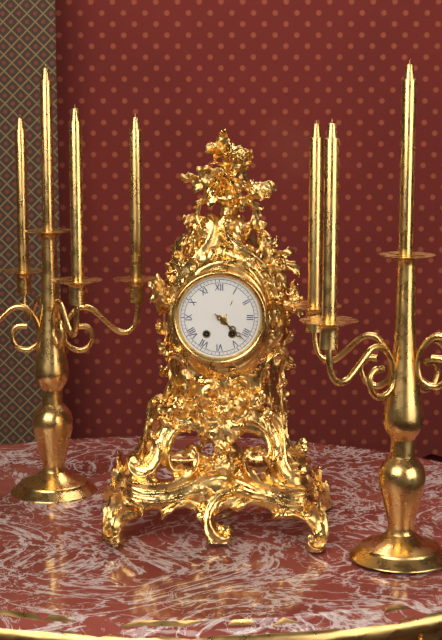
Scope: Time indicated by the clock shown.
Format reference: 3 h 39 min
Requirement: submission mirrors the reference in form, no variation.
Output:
4 h 22 min
